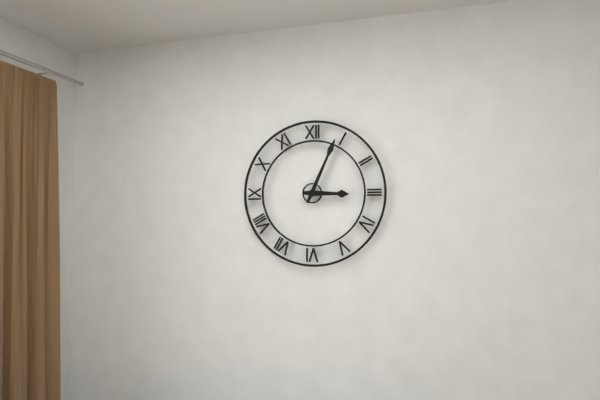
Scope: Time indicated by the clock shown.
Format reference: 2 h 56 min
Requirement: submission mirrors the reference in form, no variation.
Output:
3 h 04 min
